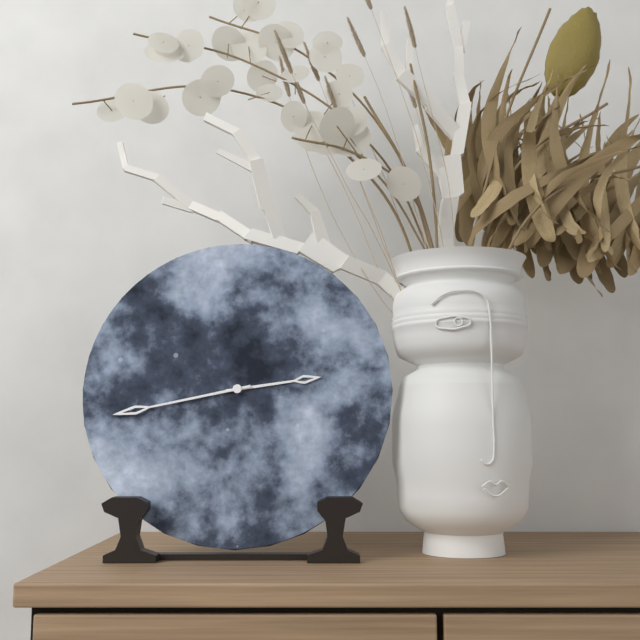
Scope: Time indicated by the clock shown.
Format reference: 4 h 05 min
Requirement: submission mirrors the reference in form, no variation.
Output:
2 h 43 min
